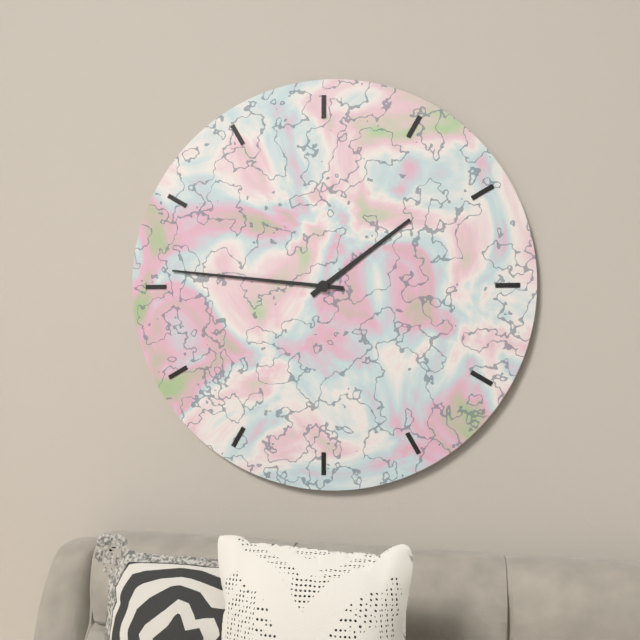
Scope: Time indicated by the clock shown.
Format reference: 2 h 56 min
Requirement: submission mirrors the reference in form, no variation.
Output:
1 h 46 min
